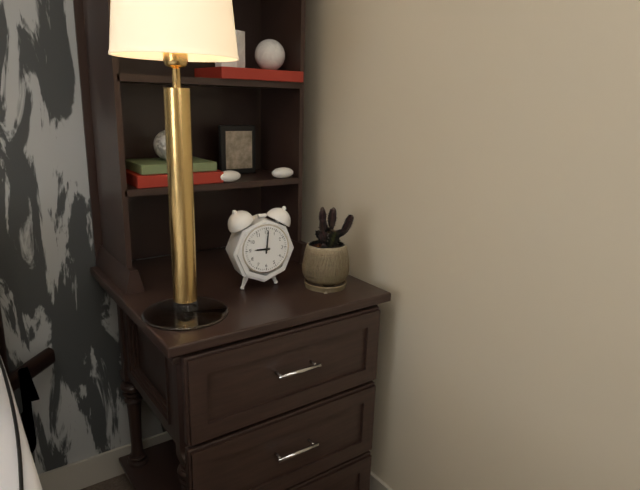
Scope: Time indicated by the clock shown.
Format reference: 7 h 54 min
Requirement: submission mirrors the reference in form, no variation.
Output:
9 h 01 min
